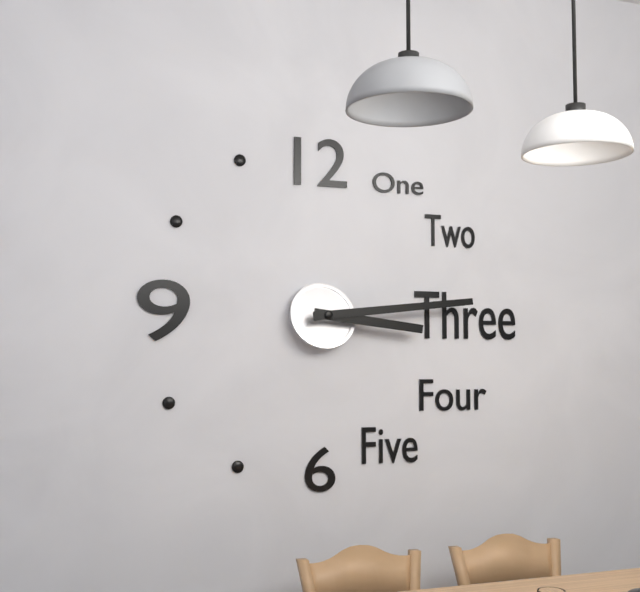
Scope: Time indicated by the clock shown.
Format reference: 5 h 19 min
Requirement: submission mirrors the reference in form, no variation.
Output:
3 h 14 min
